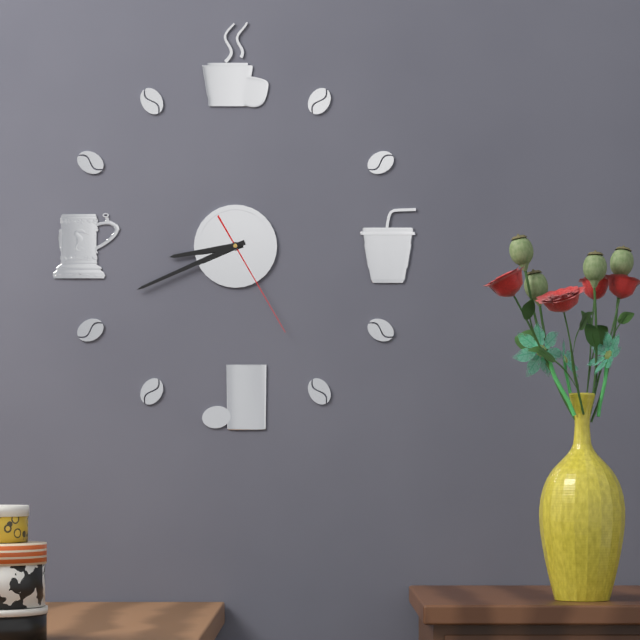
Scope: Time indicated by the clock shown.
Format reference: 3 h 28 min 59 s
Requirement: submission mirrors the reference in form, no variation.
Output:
8 h 41 min 25 s
